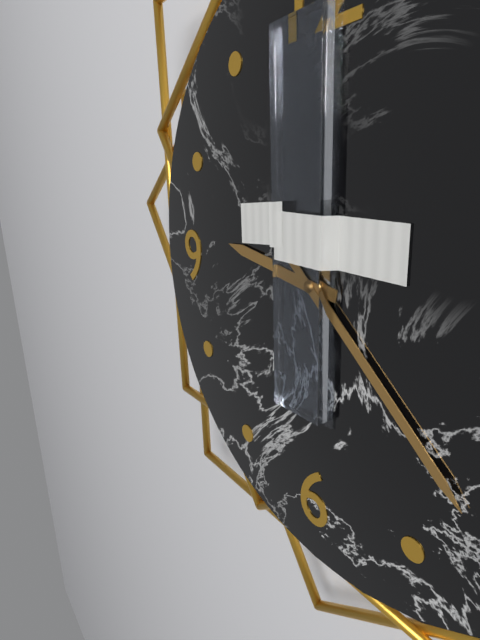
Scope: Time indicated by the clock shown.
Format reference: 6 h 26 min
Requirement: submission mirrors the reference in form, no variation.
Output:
9 h 22 min
